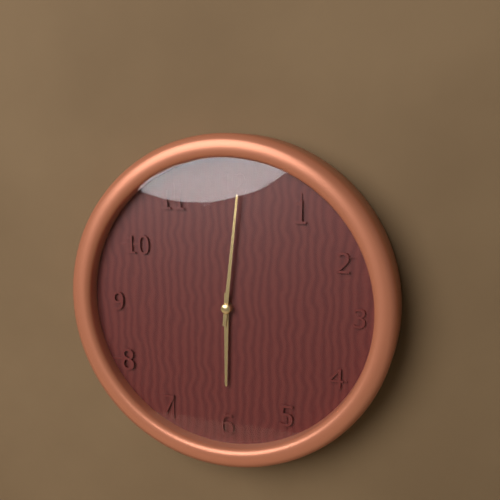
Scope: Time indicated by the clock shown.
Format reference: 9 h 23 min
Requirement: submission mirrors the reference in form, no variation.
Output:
6 h 01 min
